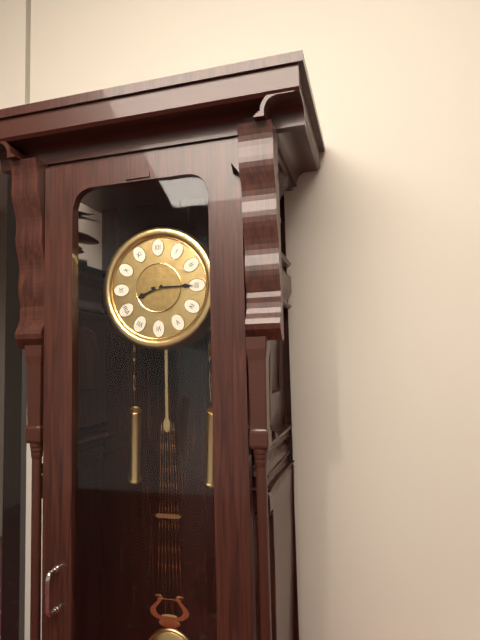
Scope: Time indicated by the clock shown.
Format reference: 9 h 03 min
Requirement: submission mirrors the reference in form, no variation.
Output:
8 h 15 min
